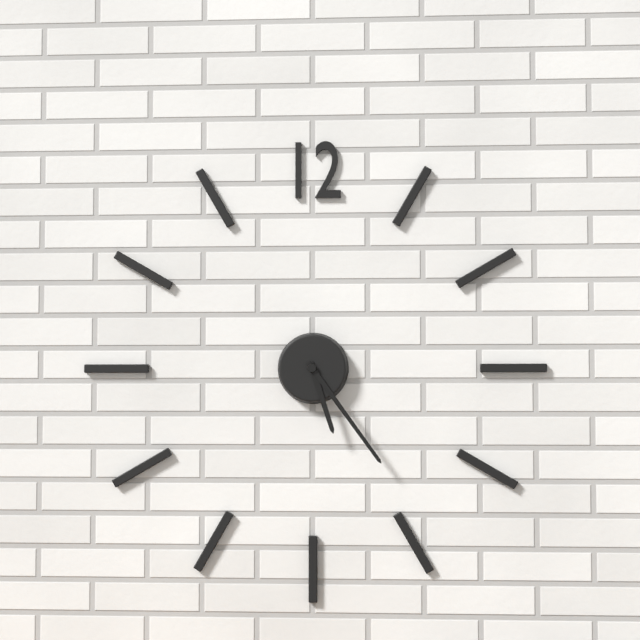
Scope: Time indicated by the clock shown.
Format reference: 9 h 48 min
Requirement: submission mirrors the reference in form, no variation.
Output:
5 h 24 min
